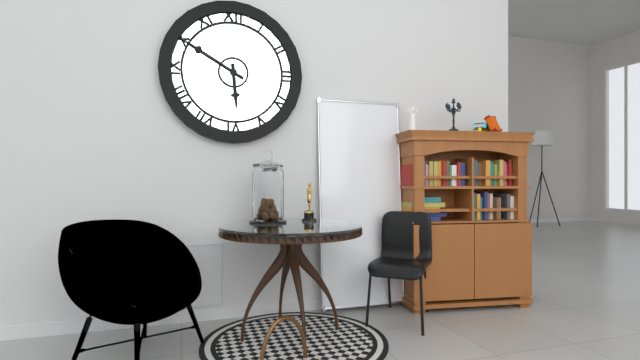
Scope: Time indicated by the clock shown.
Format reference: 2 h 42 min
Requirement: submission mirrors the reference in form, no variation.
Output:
5 h 50 min
